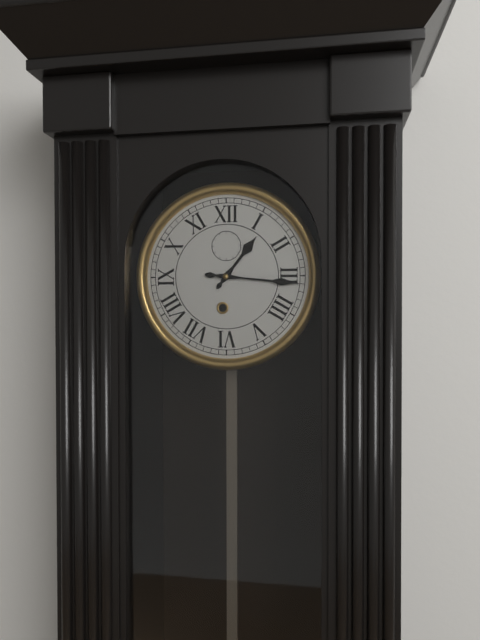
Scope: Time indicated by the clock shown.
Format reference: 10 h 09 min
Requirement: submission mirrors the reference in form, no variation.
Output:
1 h 16 min
